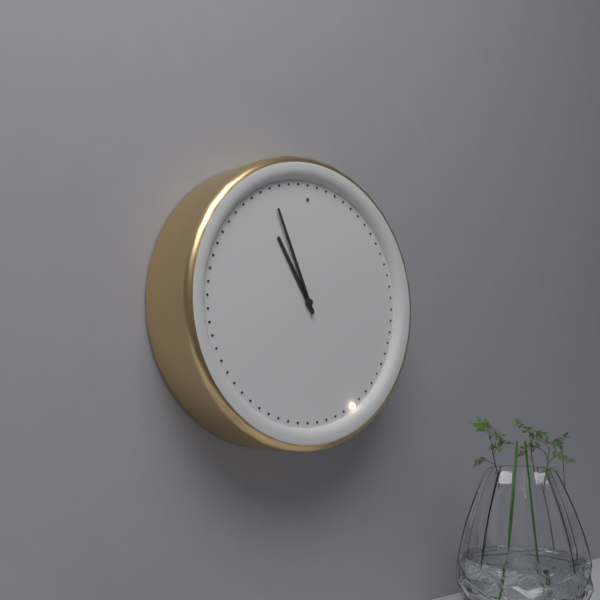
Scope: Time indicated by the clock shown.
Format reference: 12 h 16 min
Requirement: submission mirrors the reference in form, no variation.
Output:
10 h 56 min
